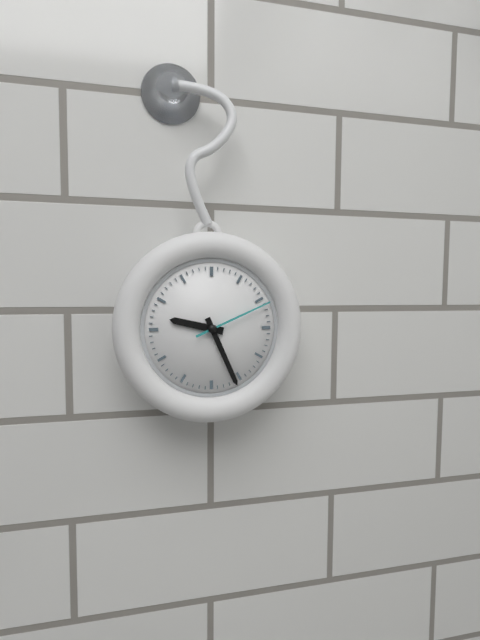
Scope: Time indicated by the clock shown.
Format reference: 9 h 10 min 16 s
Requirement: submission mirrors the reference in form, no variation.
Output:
9 h 26 min 11 s
